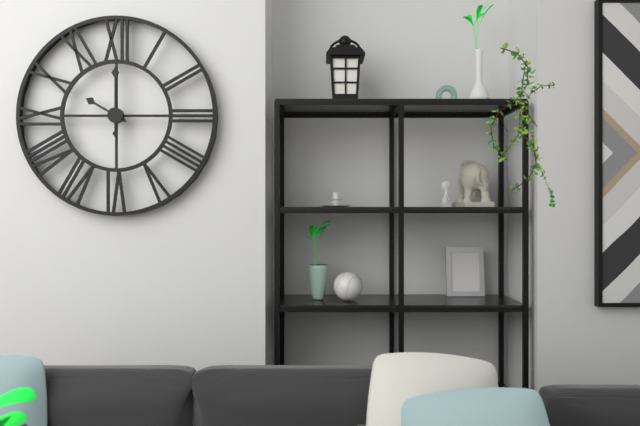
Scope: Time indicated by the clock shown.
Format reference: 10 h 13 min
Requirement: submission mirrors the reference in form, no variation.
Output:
10 h 00 min
